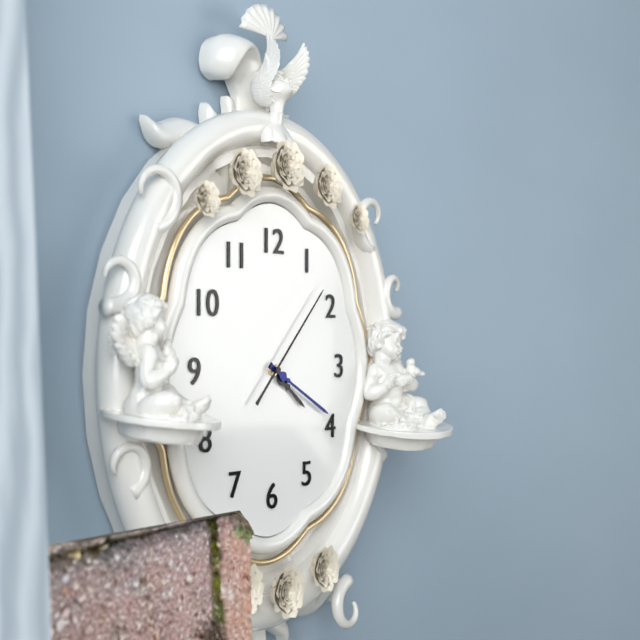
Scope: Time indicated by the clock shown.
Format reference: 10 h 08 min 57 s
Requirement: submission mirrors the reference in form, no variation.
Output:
4 h 20 min 07 s
